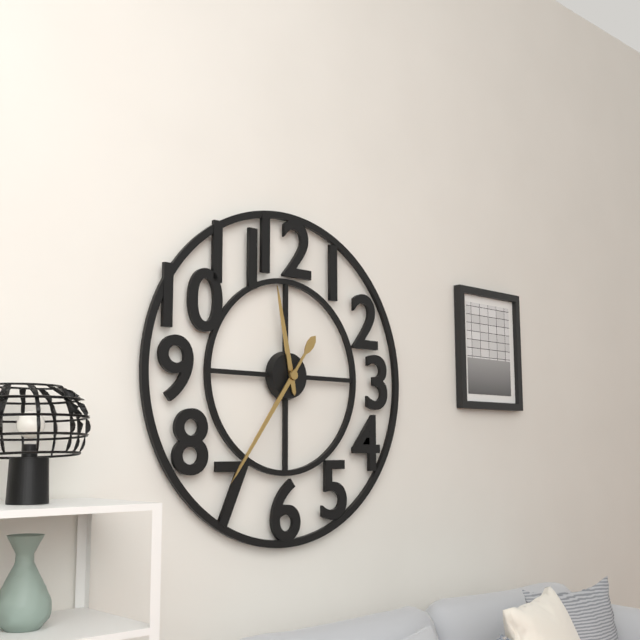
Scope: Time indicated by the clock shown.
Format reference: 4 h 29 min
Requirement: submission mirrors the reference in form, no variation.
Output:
11 h 36 min
